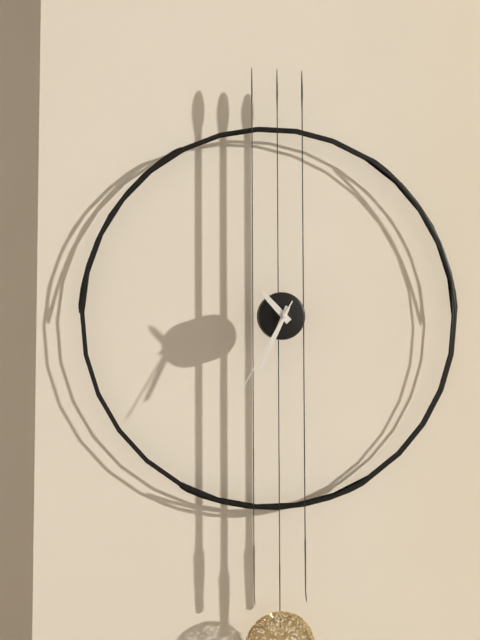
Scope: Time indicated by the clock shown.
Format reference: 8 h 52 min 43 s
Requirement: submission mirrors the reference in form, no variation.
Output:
10 h 34 min 35 s
